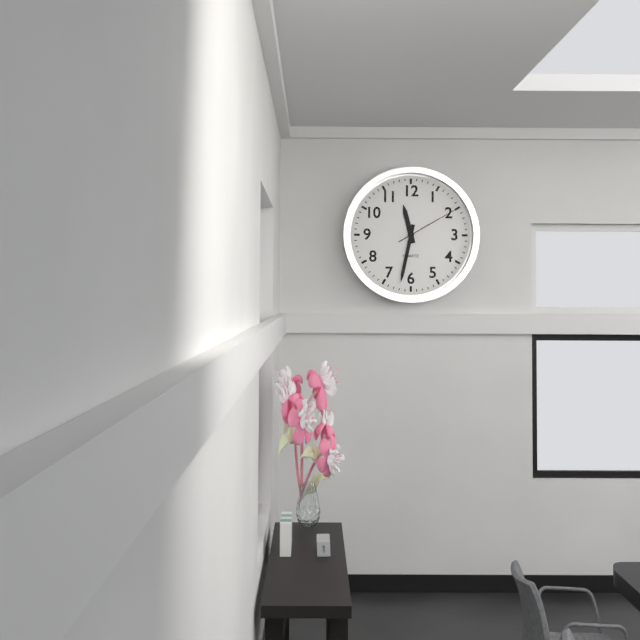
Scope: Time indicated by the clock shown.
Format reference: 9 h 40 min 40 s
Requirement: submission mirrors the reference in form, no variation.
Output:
11 h 32 min 10 s
